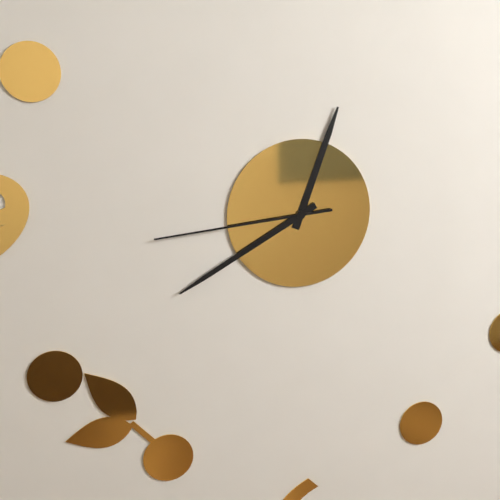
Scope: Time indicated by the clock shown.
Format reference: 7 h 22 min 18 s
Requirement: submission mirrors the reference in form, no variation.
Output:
12 h 40 min 44 s
